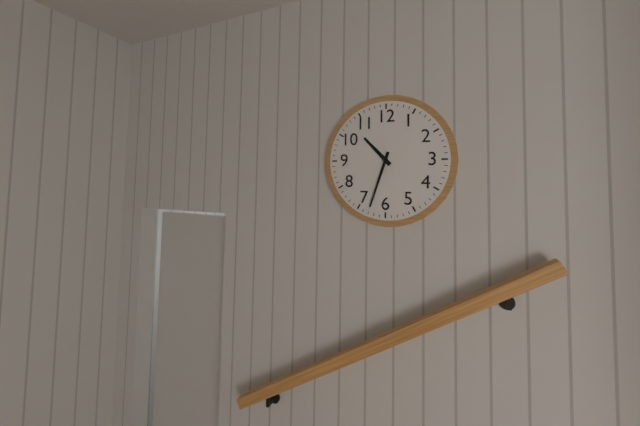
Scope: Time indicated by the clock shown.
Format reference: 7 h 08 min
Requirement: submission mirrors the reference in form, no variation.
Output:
10 h 33 min
